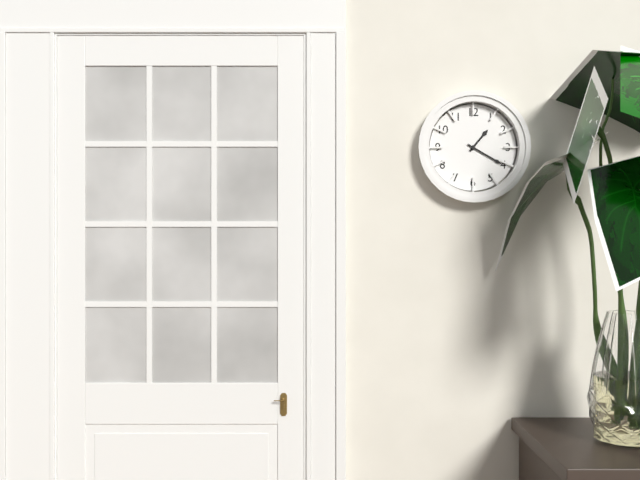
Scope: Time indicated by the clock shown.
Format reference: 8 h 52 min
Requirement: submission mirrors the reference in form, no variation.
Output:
1 h 20 min
